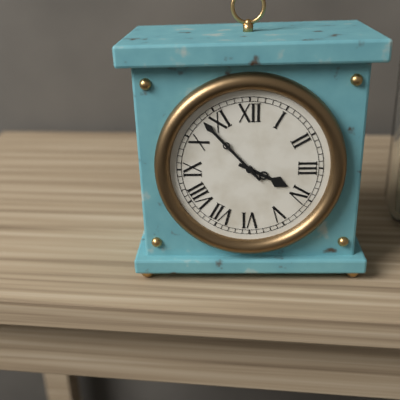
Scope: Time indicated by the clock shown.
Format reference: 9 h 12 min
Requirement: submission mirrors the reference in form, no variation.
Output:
3 h 53 min
